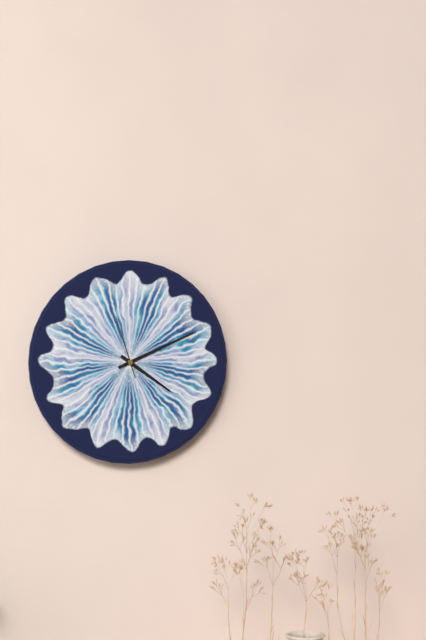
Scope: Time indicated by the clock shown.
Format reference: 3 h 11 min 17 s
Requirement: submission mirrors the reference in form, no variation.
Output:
4 h 11 min 57 s
